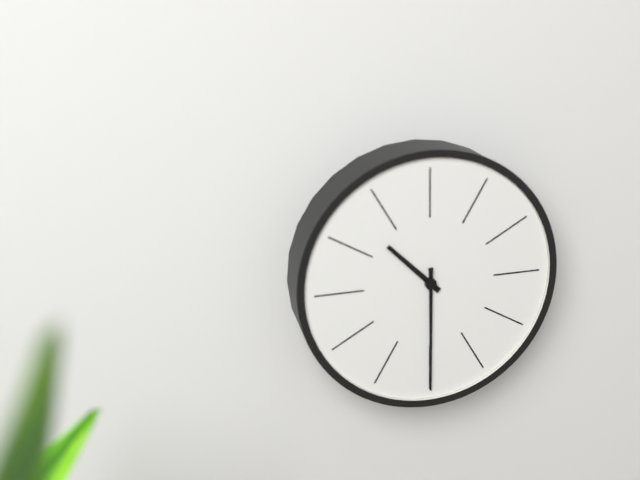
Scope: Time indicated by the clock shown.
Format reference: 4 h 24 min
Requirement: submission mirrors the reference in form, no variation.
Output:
10 h 30 min
